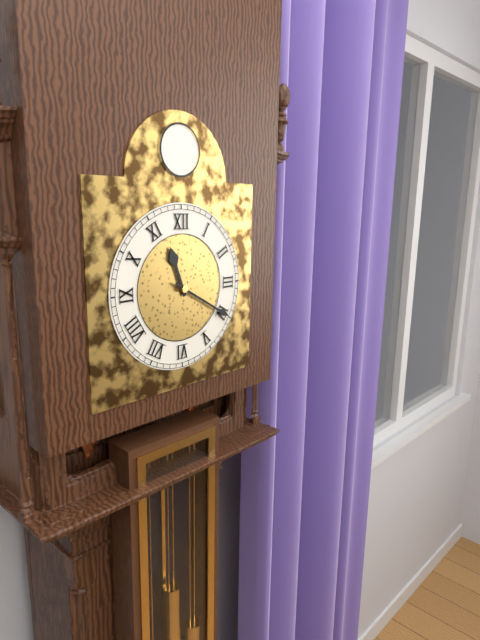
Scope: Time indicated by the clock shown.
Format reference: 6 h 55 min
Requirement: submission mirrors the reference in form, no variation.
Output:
11 h 20 min
